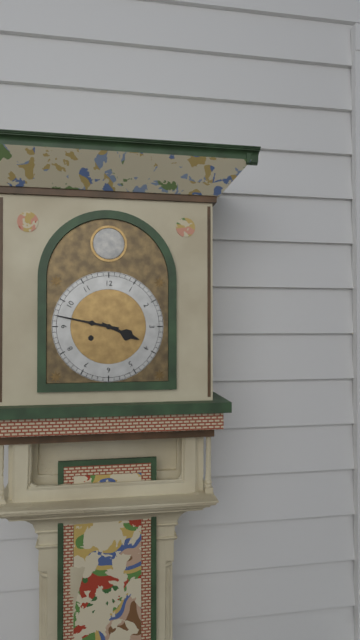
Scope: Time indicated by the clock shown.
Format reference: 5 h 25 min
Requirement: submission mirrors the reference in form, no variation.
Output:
3 h 47 min
